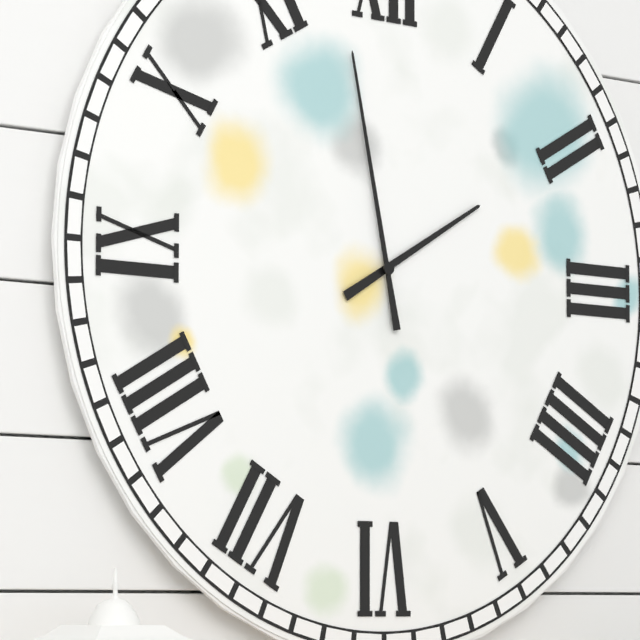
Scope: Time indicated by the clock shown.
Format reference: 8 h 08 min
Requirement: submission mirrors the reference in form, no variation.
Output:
1 h 58 min
